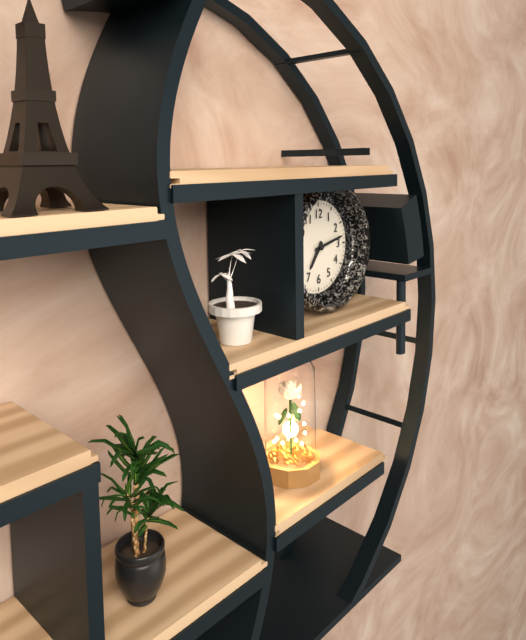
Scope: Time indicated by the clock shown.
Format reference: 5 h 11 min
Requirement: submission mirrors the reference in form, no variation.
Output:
7 h 13 min
